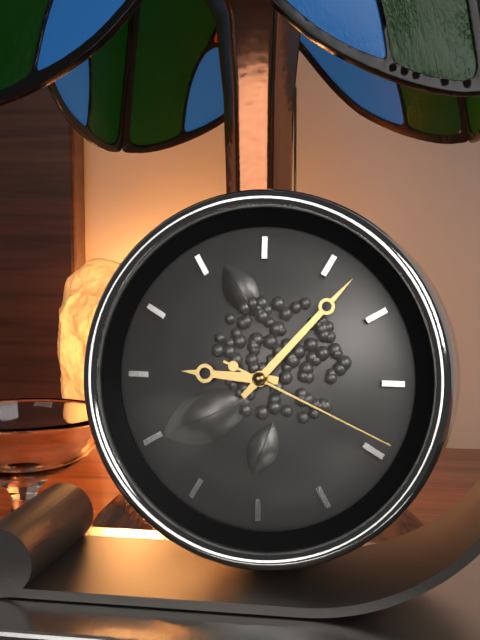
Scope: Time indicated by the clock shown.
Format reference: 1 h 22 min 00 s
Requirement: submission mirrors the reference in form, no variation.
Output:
9 h 07 min 19 s
